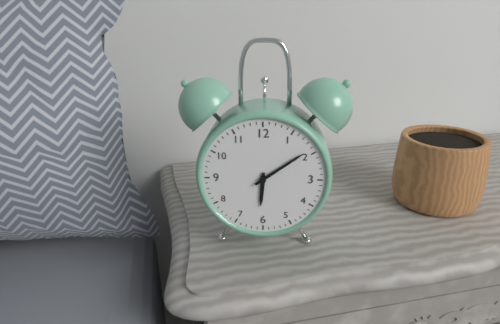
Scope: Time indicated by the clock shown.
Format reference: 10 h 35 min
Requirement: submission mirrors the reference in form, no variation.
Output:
6 h 09 min
